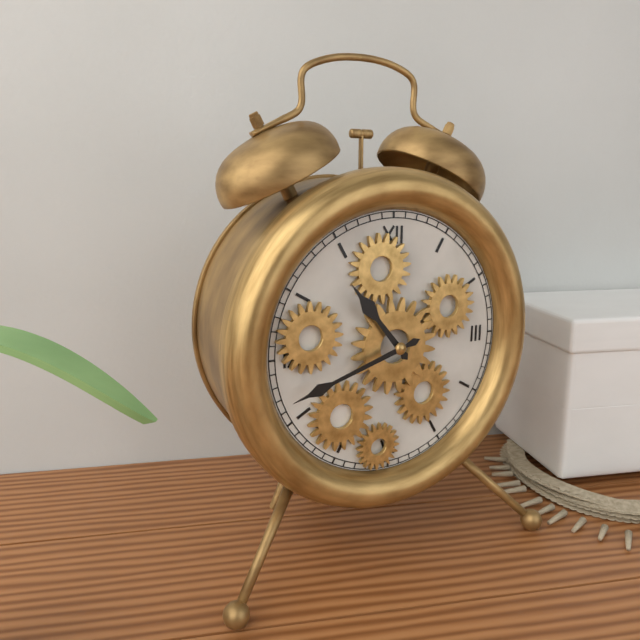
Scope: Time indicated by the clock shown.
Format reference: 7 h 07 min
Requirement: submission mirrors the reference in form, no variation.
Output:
10 h 42 min
